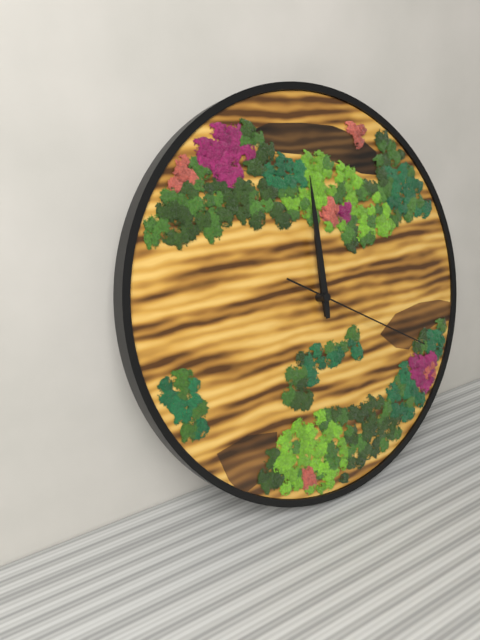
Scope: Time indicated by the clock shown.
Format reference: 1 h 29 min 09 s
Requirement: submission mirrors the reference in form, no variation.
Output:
12 h 00 min 20 s
